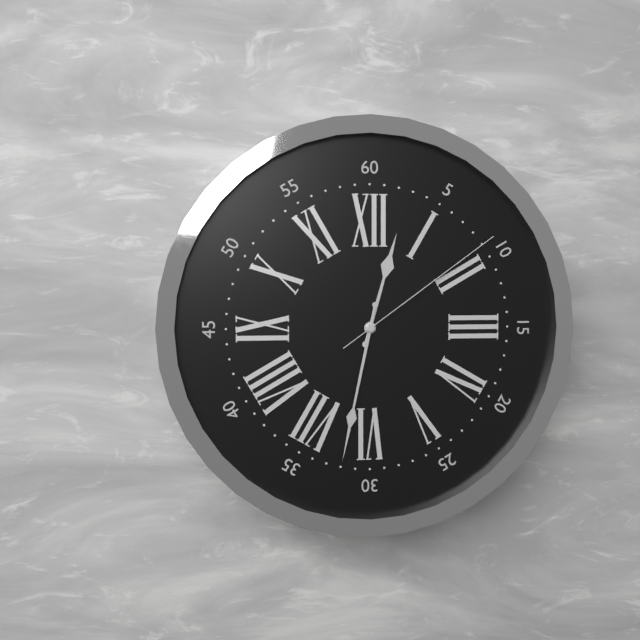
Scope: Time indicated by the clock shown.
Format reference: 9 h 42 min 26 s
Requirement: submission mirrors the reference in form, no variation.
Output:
12 h 32 min 09 s
